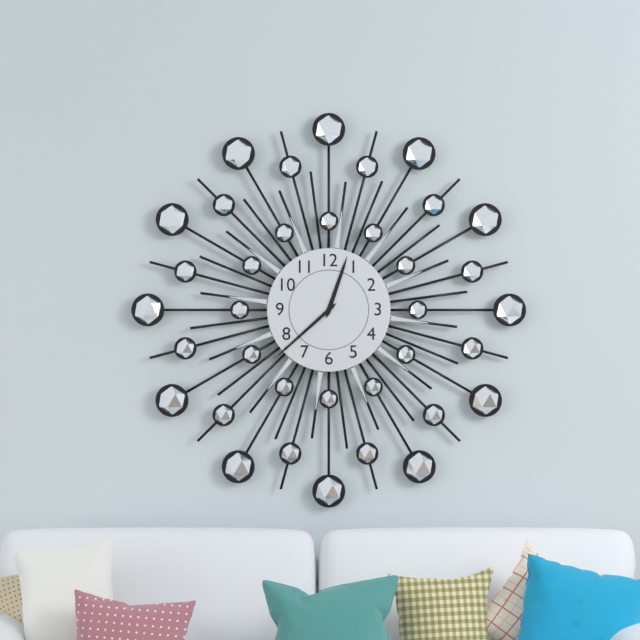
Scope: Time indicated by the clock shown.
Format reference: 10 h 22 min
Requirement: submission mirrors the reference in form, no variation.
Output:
12 h 38 min
